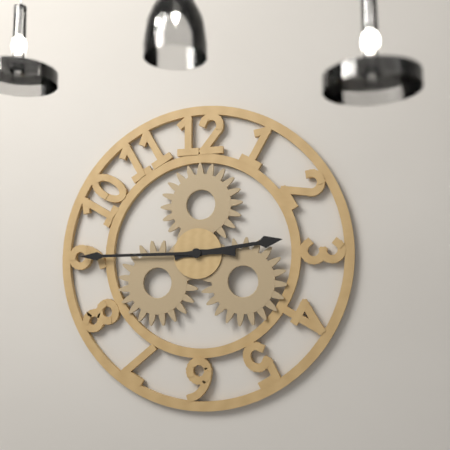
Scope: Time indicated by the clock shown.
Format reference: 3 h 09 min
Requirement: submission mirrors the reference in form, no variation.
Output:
2 h 45 min
